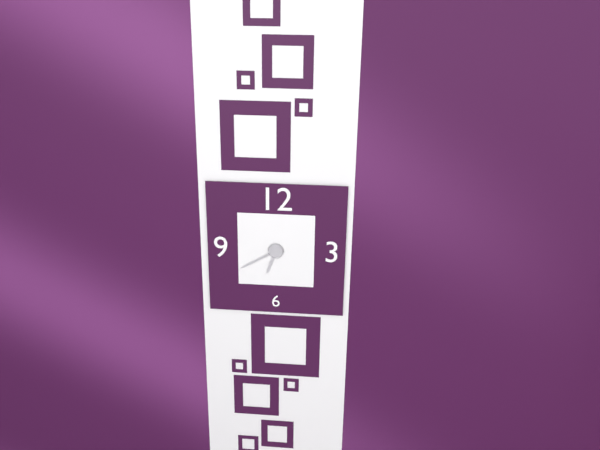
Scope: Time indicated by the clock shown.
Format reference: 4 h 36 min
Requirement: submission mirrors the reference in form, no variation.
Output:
6 h 40 min
